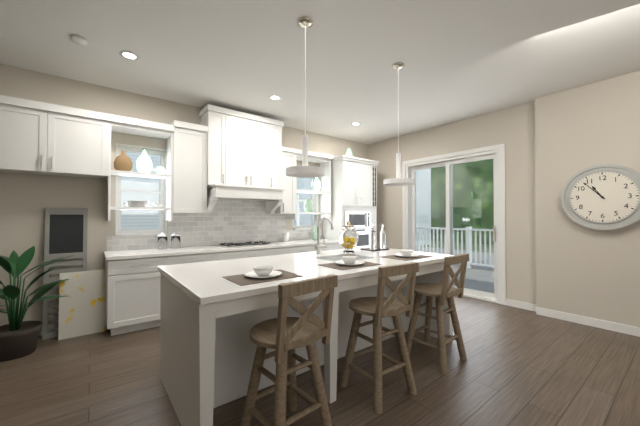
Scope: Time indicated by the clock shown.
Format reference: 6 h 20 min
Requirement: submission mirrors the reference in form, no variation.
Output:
10 h 53 min
